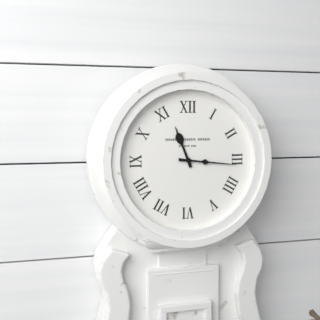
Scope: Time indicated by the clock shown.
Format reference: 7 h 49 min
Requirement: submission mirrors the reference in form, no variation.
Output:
11 h 16 min
